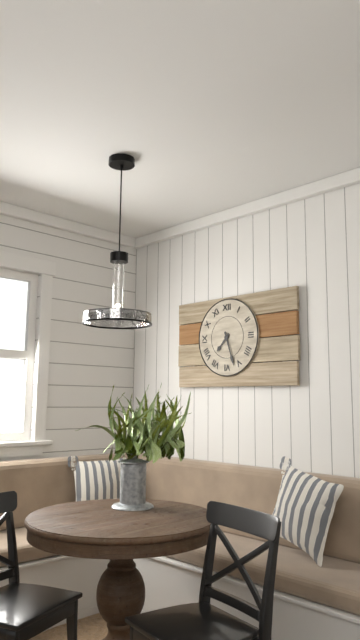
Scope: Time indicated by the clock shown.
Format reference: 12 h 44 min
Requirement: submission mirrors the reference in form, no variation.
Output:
7 h 27 min
